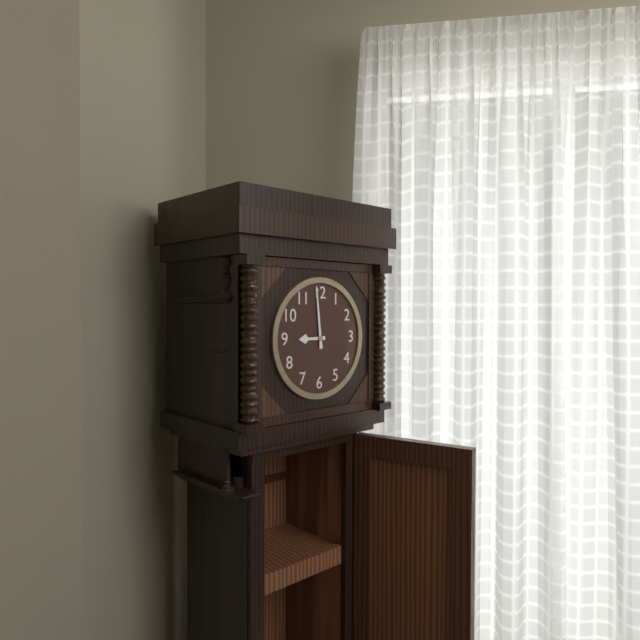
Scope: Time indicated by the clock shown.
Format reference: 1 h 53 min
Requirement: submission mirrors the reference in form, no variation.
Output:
8 h 59 min
